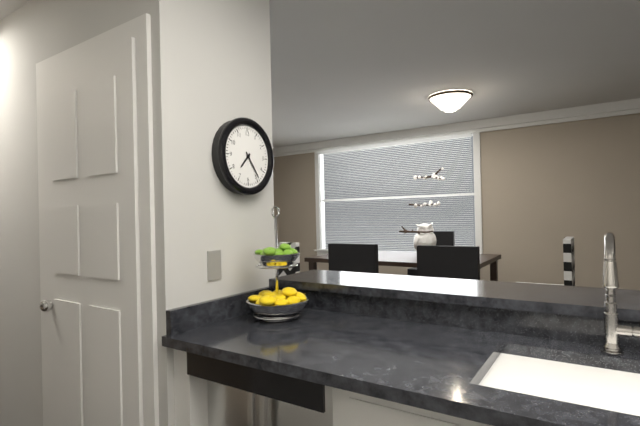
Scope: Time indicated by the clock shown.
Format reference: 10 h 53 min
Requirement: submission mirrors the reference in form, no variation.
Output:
7 h 24 min
